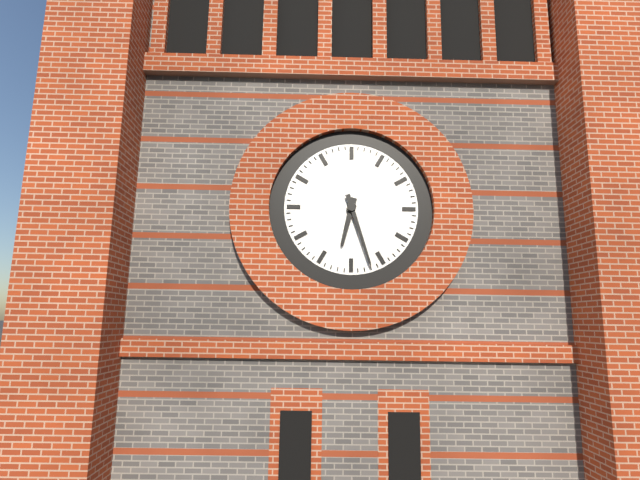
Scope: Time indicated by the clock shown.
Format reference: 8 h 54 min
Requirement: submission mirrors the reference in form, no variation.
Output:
6 h 27 min
